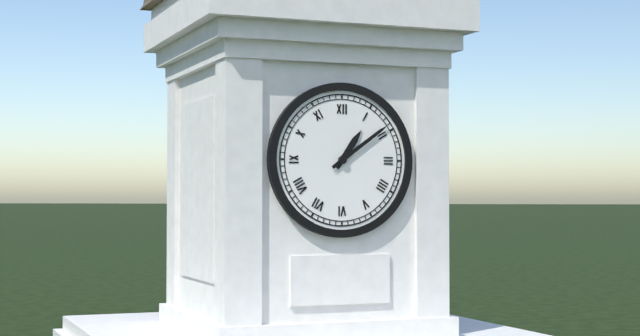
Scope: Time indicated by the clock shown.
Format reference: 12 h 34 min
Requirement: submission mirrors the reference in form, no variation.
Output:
1 h 09 min
